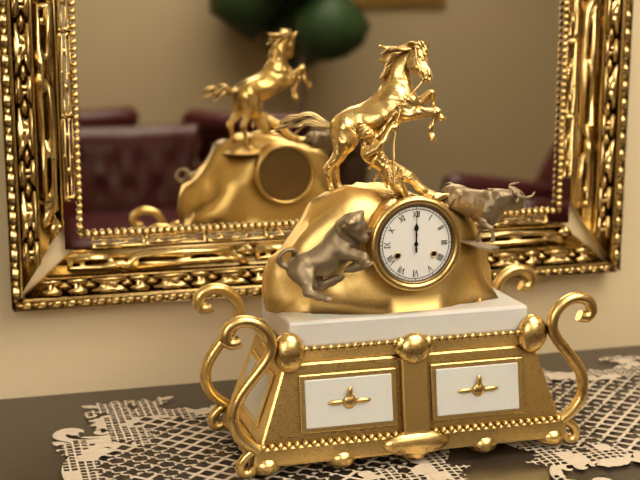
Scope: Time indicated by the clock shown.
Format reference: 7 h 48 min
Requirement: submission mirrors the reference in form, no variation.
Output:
12 h 00 min
